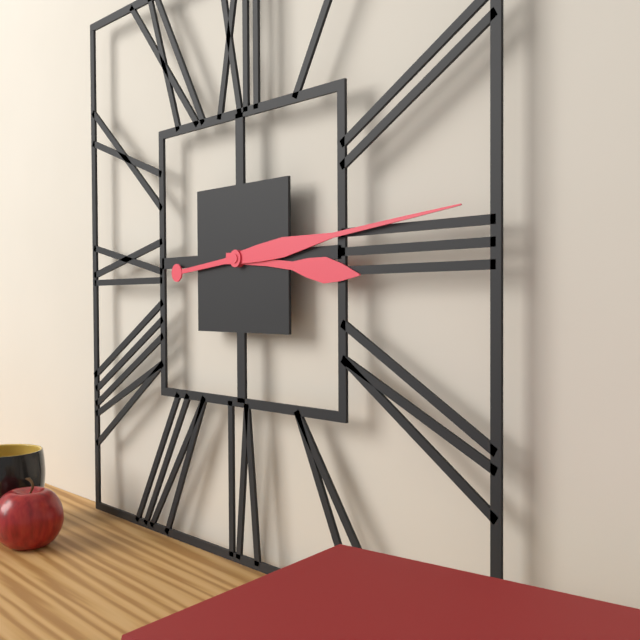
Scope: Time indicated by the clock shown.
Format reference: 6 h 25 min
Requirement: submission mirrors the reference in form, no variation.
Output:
3 h 14 min
